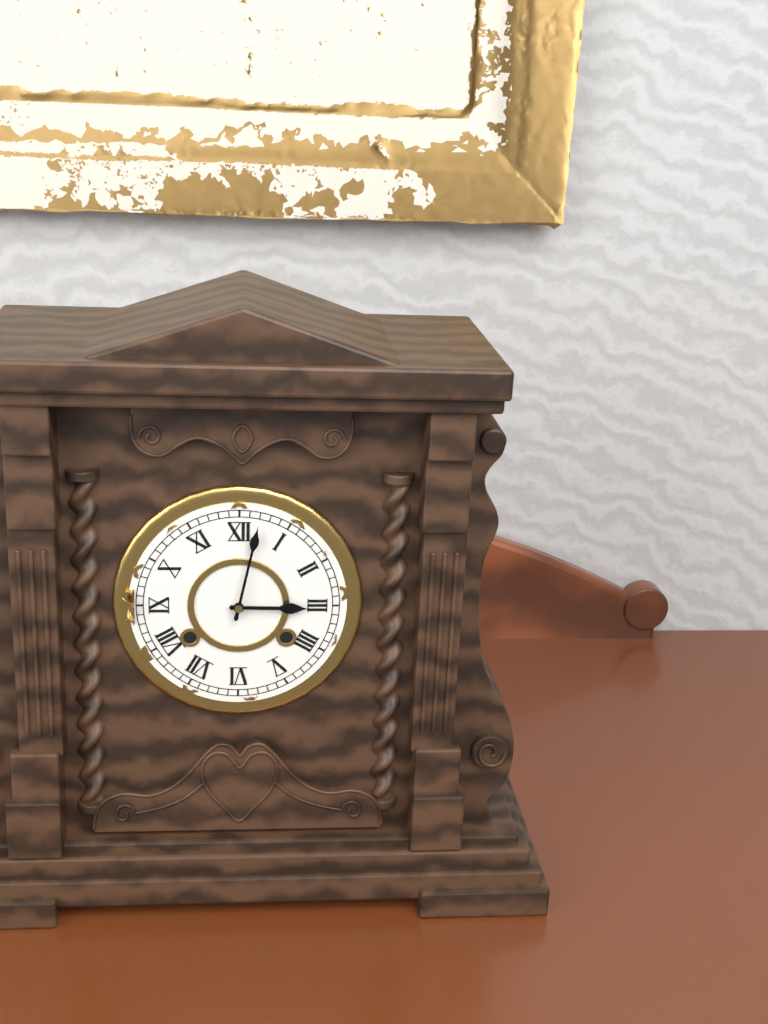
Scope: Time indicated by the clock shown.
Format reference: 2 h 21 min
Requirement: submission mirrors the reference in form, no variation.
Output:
3 h 02 min
